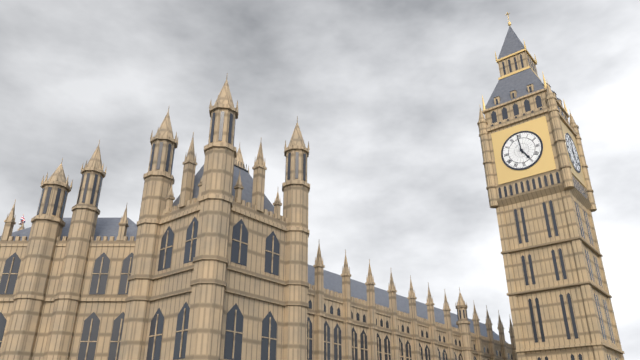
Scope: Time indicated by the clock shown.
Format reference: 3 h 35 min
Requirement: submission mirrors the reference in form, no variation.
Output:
4 h 59 min
